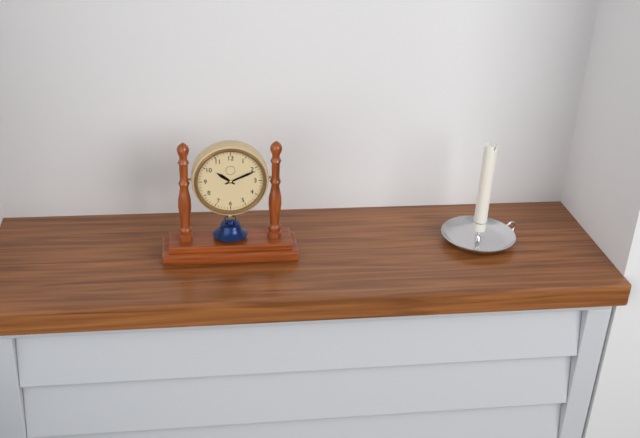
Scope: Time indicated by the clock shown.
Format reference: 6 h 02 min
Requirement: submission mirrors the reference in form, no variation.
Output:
10 h 11 min
